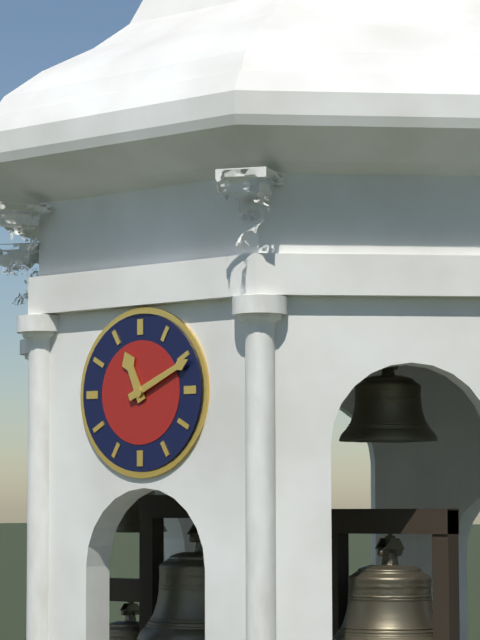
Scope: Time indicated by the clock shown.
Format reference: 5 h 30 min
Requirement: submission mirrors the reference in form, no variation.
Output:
11 h 11 min
